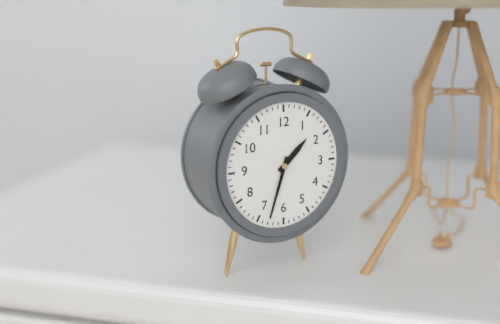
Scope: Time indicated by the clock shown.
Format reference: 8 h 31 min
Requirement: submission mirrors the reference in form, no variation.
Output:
1 h 33 min
